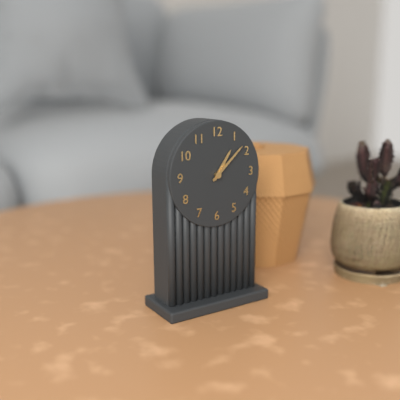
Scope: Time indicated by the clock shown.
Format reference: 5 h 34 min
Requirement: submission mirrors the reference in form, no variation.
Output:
1 h 08 min
